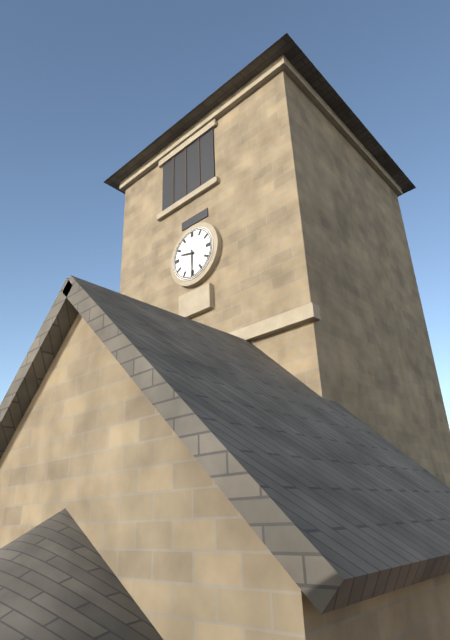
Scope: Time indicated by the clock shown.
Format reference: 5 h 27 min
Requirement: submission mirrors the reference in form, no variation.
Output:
9 h 30 min
